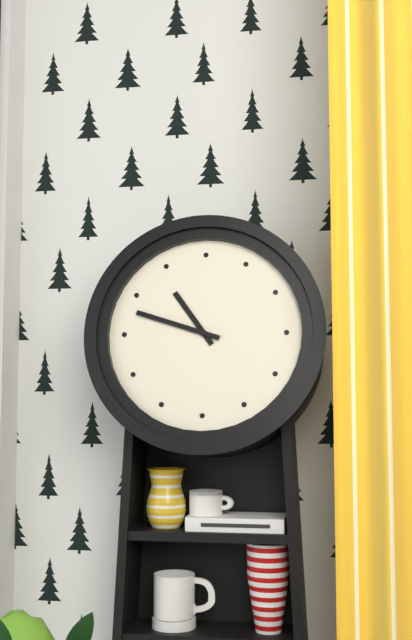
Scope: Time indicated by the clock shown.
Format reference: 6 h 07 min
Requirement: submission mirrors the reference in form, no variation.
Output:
10 h 48 min
